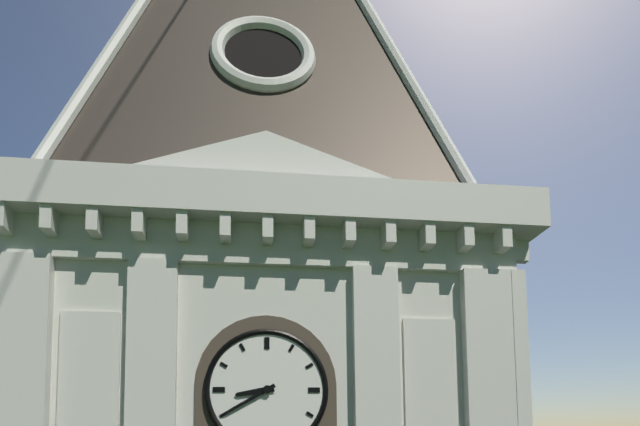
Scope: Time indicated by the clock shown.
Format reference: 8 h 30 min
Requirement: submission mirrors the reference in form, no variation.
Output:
8 h 40 min
